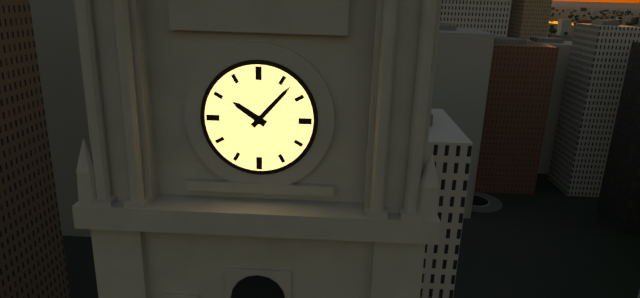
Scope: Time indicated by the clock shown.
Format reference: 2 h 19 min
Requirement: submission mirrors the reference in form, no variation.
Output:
10 h 07 min
